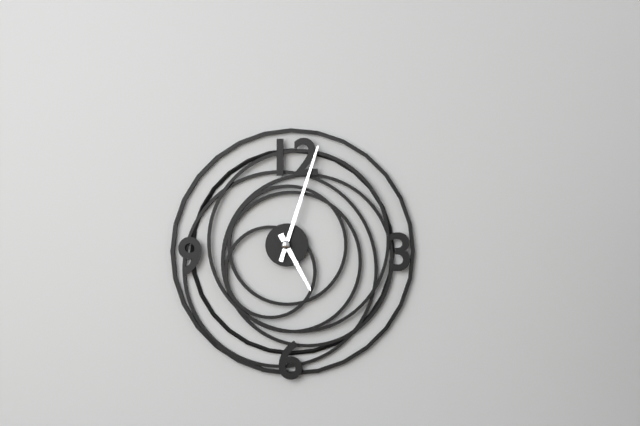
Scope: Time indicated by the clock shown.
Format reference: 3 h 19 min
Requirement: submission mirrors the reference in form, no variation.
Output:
5 h 03 min
